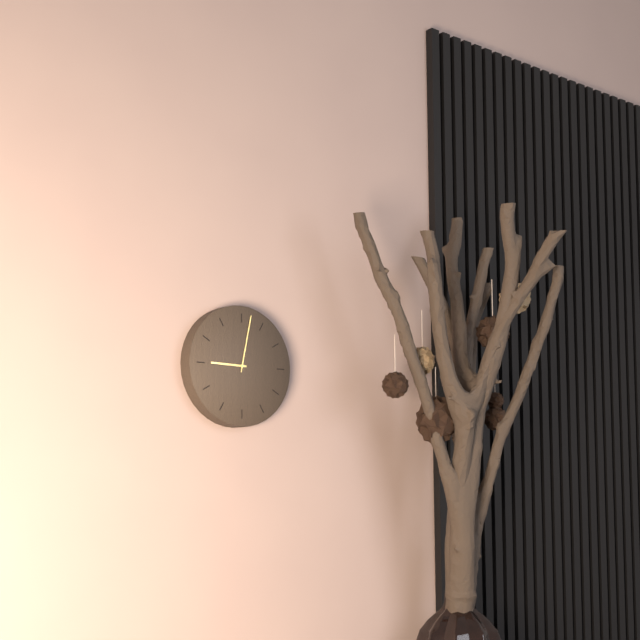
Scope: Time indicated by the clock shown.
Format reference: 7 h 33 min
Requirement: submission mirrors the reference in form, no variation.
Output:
9 h 02 min
